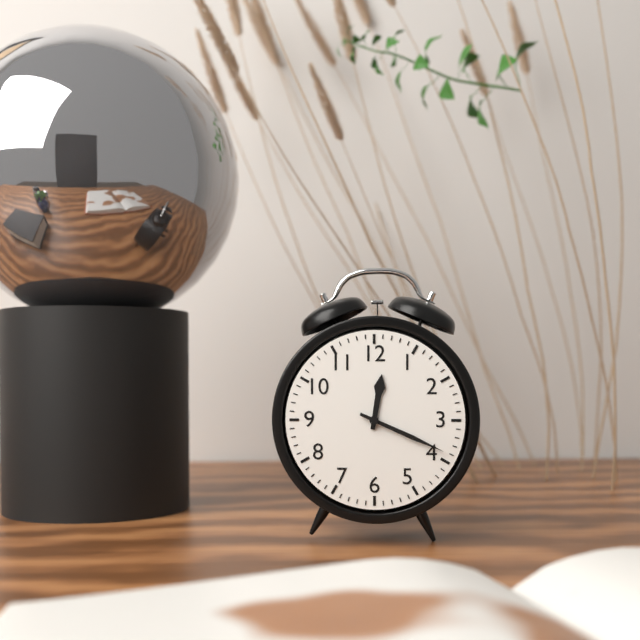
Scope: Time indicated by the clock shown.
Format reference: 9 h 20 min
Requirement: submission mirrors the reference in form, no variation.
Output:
12 h 19 min
